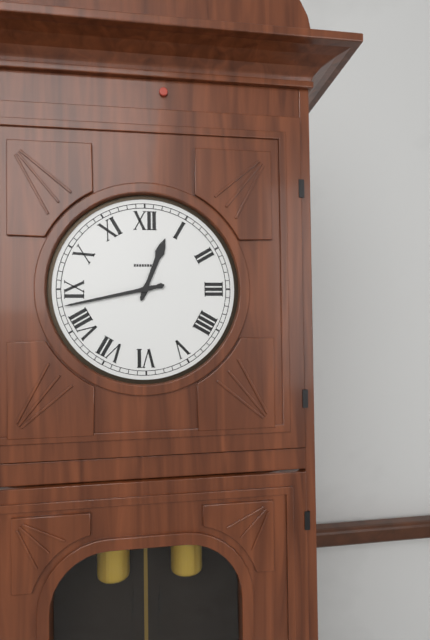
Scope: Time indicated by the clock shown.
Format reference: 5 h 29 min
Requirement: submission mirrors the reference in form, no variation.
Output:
12 h 43 min
